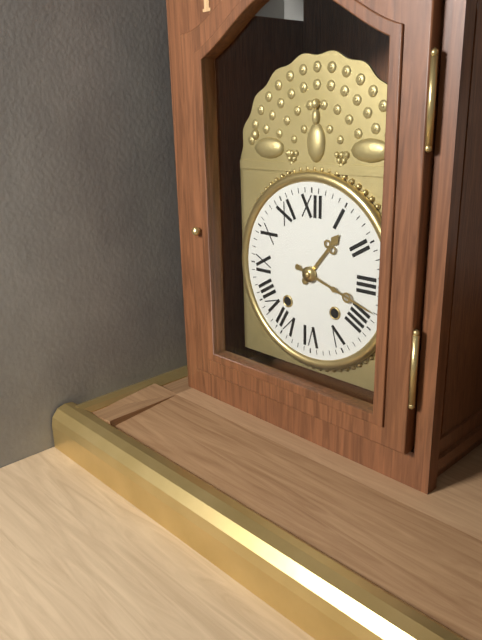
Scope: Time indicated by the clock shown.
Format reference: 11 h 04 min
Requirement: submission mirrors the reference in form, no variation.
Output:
1 h 18 min
